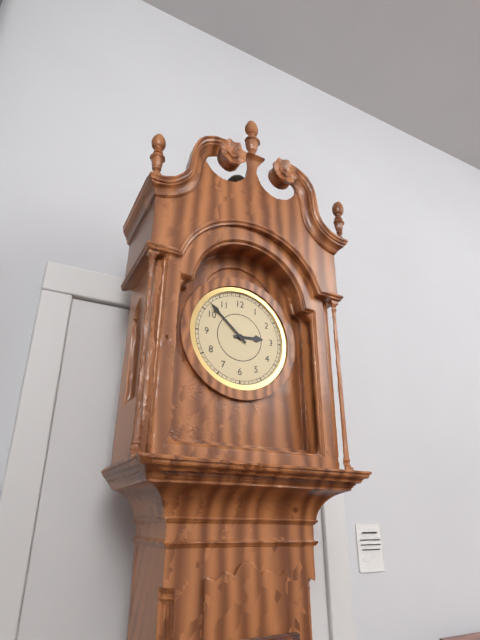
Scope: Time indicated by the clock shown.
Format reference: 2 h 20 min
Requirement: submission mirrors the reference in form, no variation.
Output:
2 h 52 min
